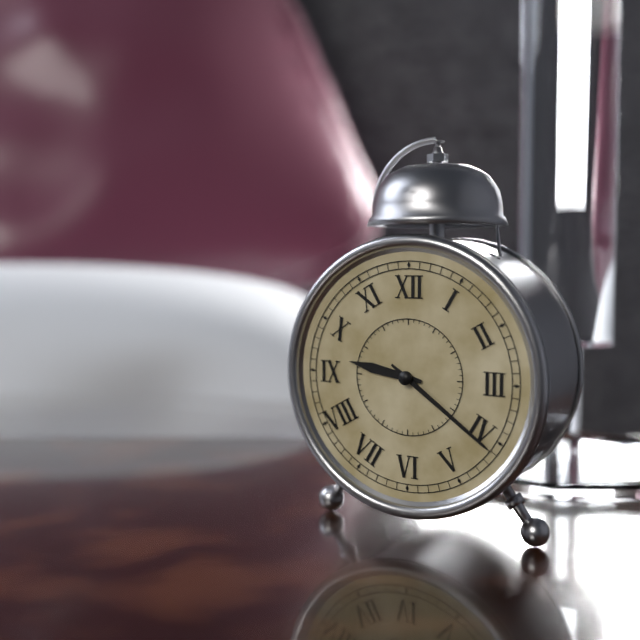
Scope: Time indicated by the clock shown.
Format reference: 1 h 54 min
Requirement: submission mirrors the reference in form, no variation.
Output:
9 h 21 min
